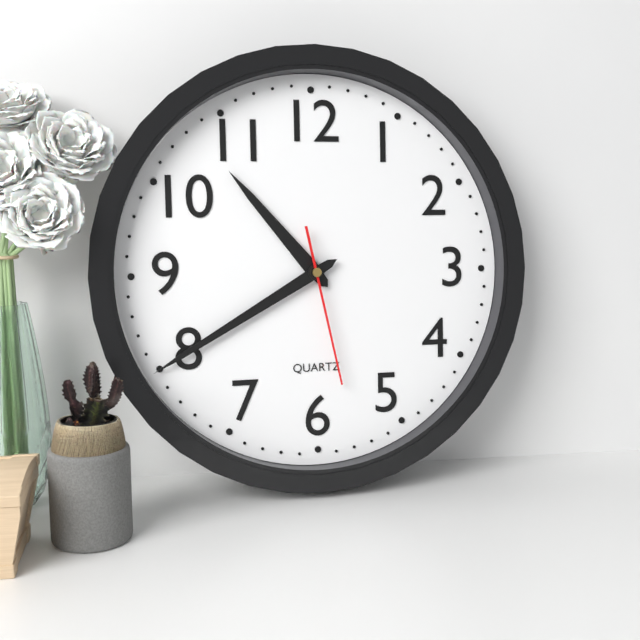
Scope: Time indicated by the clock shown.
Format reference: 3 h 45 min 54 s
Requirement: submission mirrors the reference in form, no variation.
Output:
10 h 40 min 28 s
